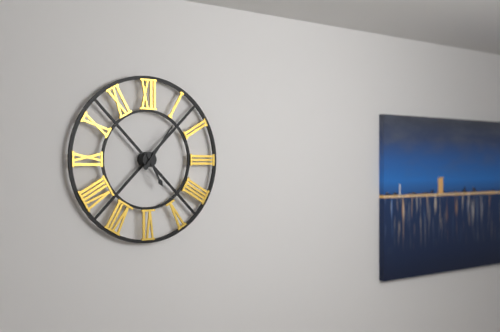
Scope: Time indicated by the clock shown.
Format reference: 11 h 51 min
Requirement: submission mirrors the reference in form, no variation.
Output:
5 h 06 min
